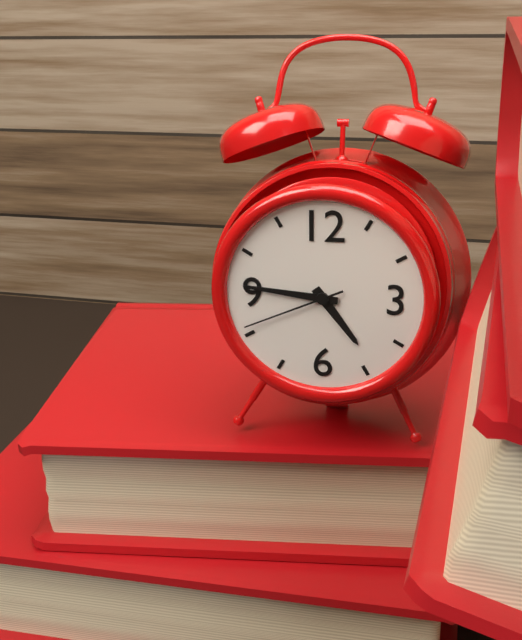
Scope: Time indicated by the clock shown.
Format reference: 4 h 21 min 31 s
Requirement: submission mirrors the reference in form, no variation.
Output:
4 h 46 min 41 s
